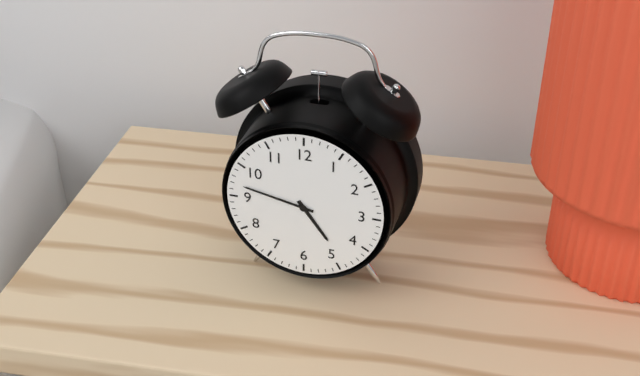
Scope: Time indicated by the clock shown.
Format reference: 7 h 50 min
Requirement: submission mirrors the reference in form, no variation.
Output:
4 h 47 min
